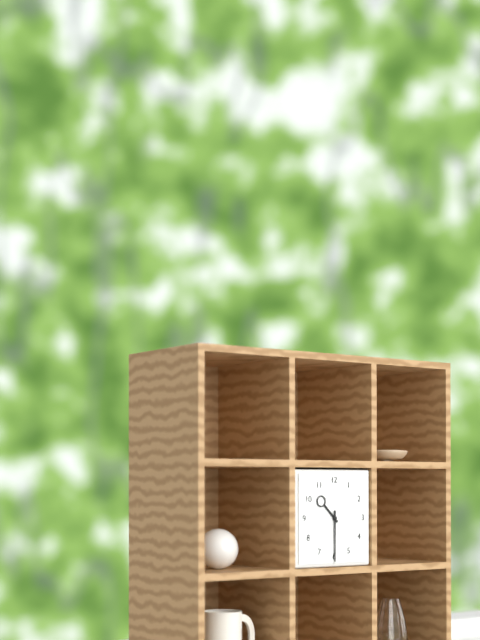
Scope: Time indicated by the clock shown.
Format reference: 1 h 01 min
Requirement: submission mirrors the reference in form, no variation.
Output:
10 h 30 min
